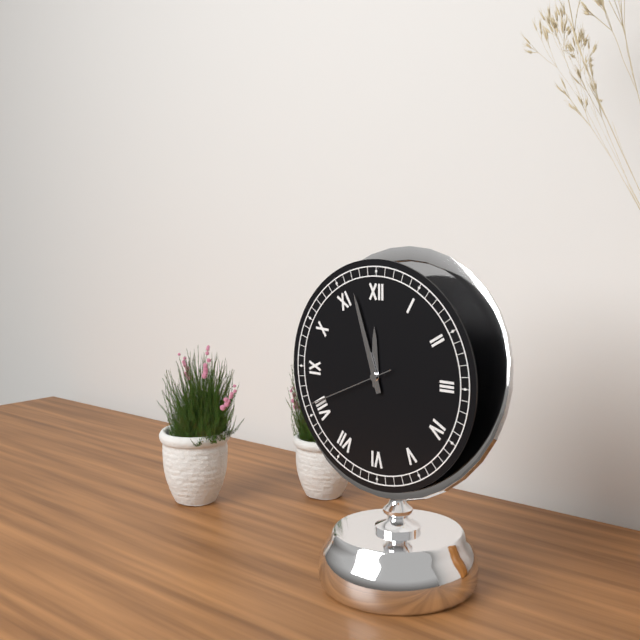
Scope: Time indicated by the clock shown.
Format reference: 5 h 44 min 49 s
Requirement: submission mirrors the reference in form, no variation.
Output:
11 h 57 min 41 s
